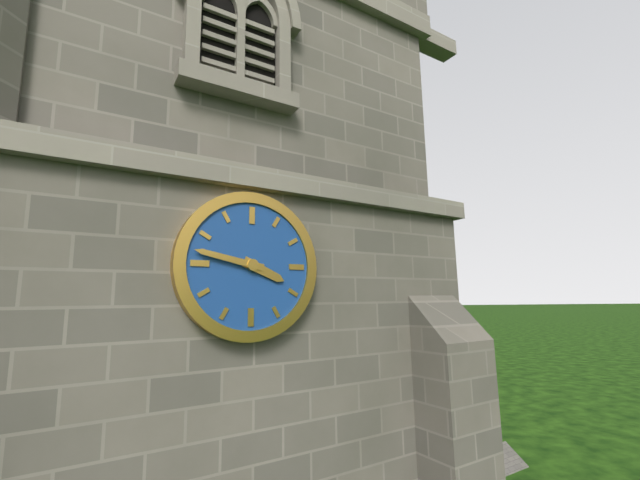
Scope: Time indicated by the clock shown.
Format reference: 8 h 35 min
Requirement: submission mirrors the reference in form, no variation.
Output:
3 h 47 min
